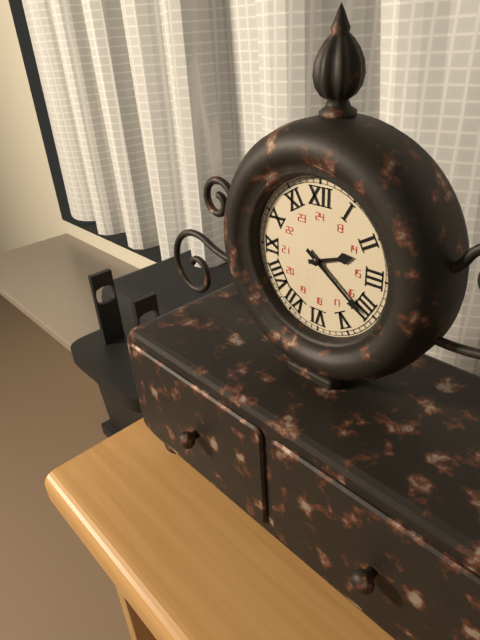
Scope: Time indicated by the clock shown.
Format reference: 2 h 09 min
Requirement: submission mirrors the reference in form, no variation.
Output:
2 h 21 min
